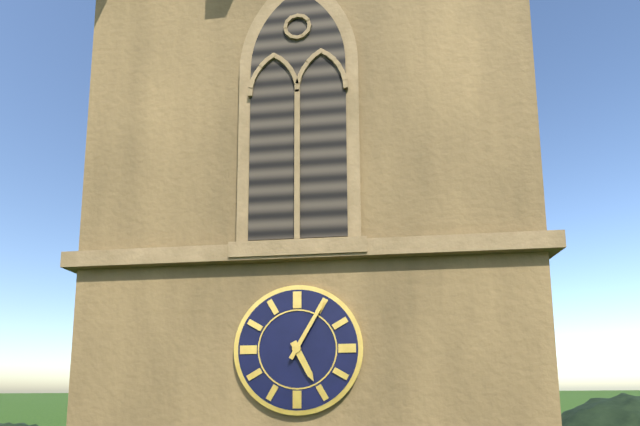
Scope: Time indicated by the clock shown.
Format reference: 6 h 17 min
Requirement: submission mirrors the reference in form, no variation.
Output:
5 h 05 min
